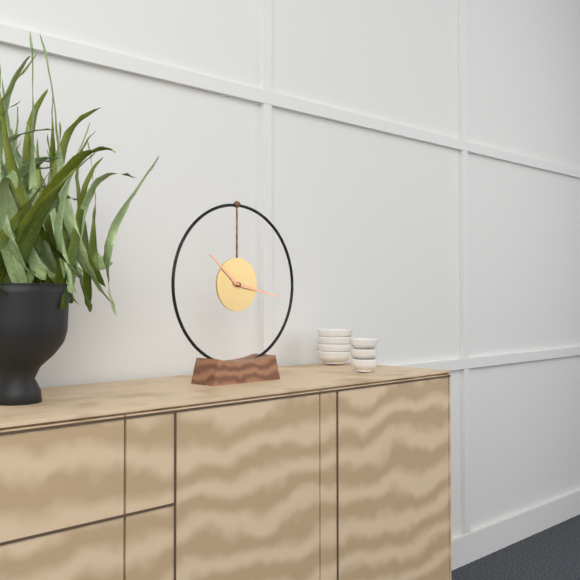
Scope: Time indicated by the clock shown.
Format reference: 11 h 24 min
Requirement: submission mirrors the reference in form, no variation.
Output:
10 h 17 min
